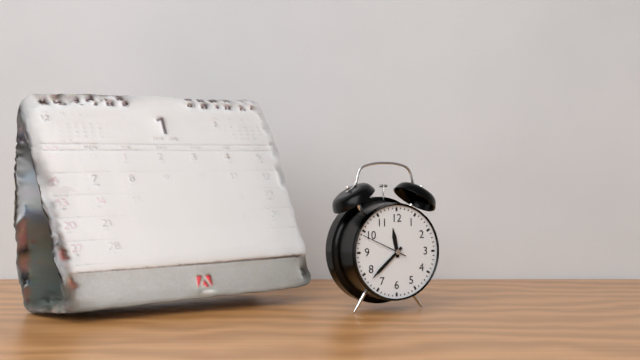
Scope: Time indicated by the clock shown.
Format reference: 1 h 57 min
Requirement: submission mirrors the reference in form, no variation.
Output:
11 h 38 min
